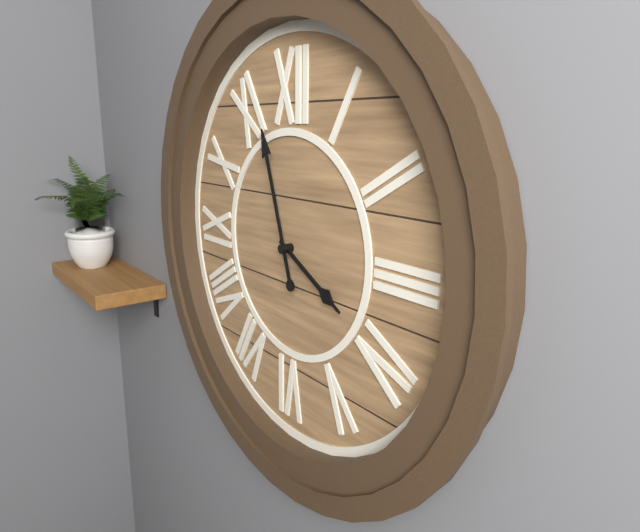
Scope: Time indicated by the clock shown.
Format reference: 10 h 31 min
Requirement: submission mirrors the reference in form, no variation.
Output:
3 h 57 min
